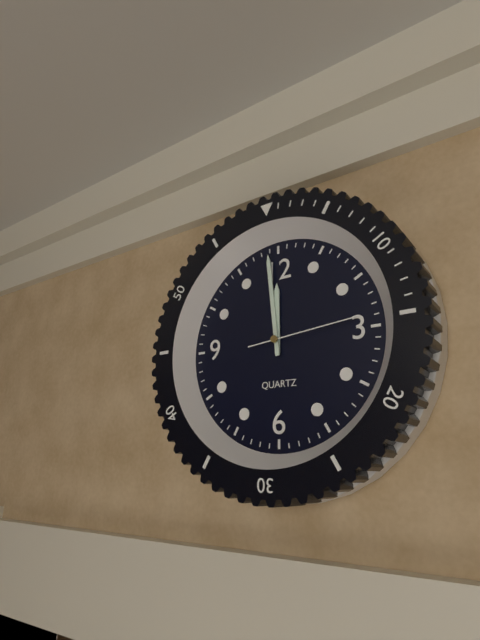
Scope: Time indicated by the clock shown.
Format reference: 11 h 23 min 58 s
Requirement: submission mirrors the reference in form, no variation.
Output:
11 h 59 min 14 s
